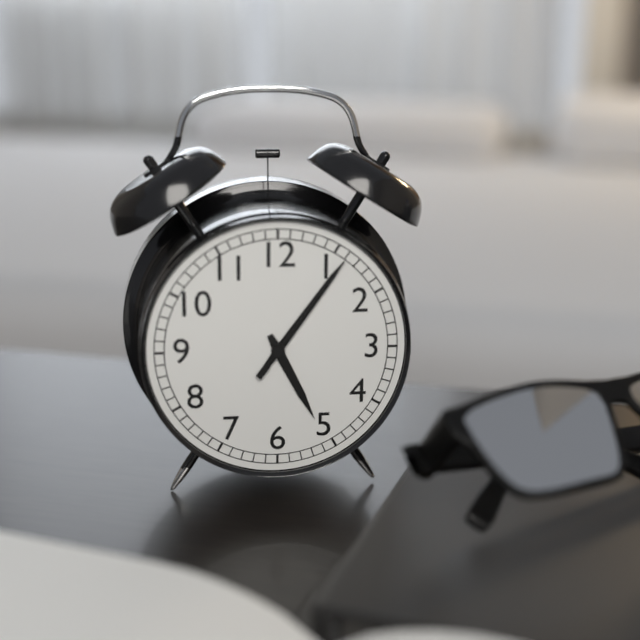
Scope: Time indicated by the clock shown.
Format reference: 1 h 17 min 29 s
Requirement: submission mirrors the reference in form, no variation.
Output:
5 h 06 min 06 s
